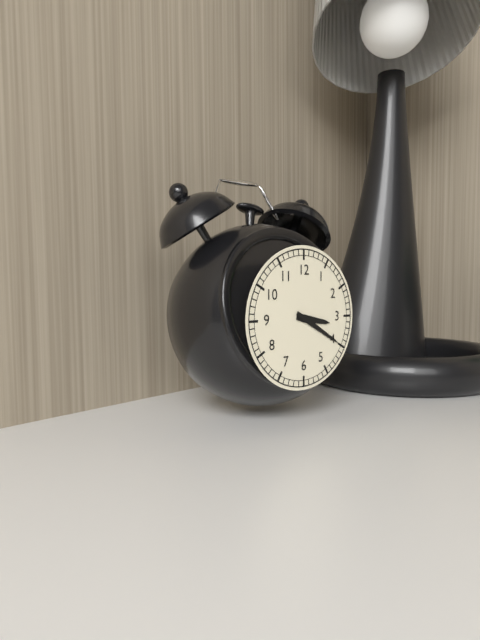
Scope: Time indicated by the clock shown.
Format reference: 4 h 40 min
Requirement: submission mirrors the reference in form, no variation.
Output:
3 h 20 min
